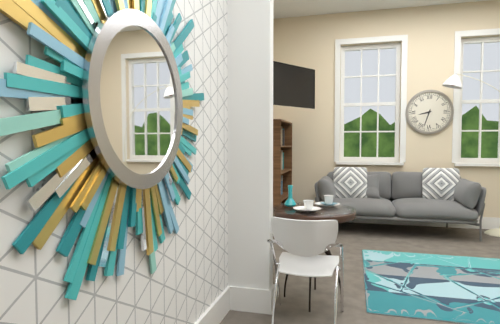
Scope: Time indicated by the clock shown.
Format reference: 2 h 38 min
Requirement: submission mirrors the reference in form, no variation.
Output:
8 h 33 min
